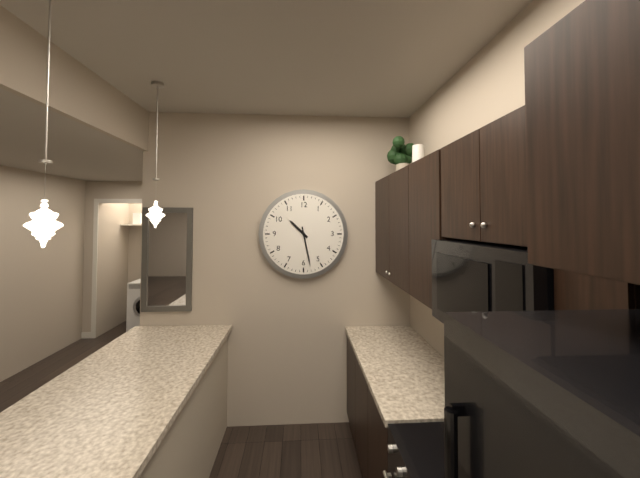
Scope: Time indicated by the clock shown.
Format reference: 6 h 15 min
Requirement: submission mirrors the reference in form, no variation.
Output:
10 h 28 min
